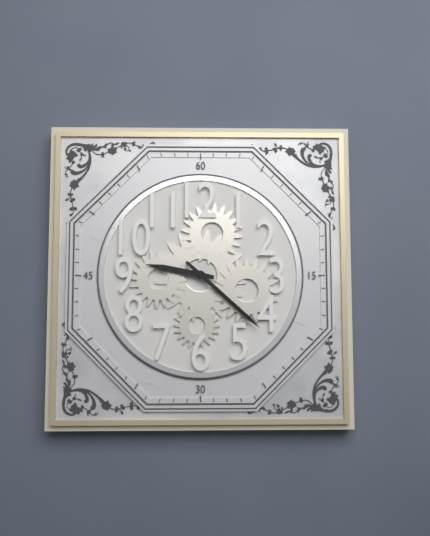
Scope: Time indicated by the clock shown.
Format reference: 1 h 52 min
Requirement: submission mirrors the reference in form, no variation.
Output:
9 h 22 min
